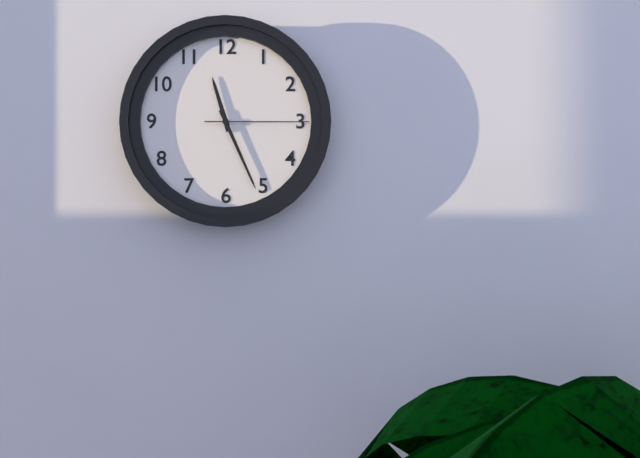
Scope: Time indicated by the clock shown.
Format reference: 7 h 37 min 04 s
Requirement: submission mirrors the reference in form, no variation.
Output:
11 h 26 min 15 s
